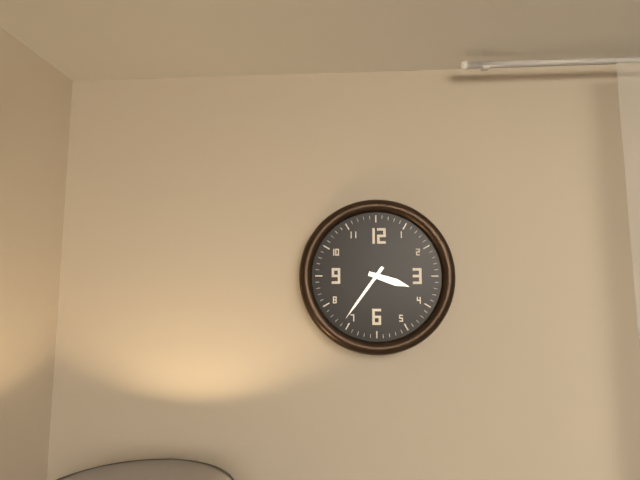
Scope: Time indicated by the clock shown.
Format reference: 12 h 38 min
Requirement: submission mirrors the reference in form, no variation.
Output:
3 h 36 min
